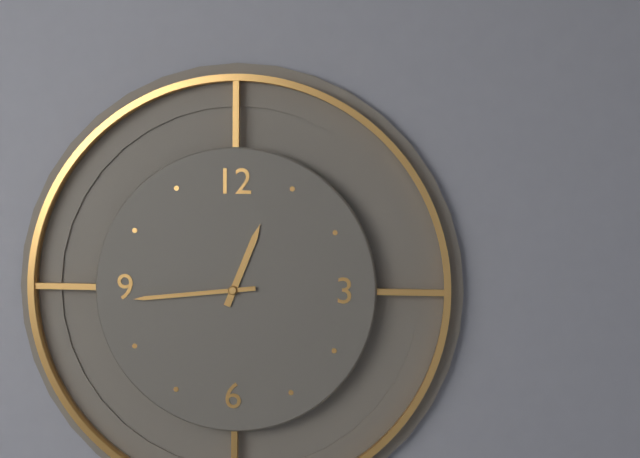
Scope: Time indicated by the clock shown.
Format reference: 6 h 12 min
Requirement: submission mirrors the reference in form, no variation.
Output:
12 h 44 min
